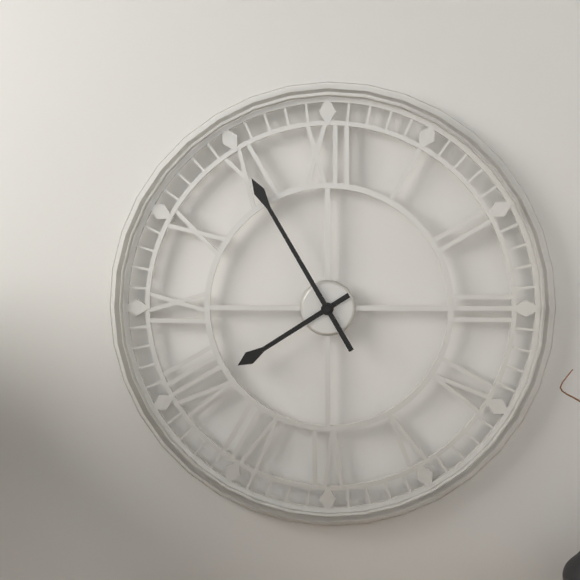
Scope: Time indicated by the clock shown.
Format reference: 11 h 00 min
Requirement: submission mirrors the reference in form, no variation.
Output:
7 h 55 min
